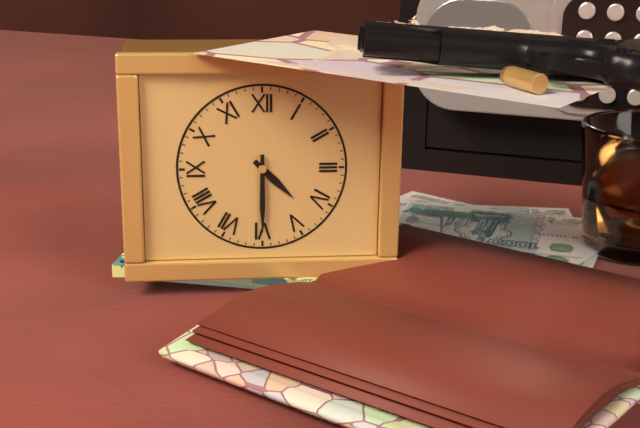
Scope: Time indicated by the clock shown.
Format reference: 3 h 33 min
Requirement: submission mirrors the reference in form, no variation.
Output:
4 h 30 min
